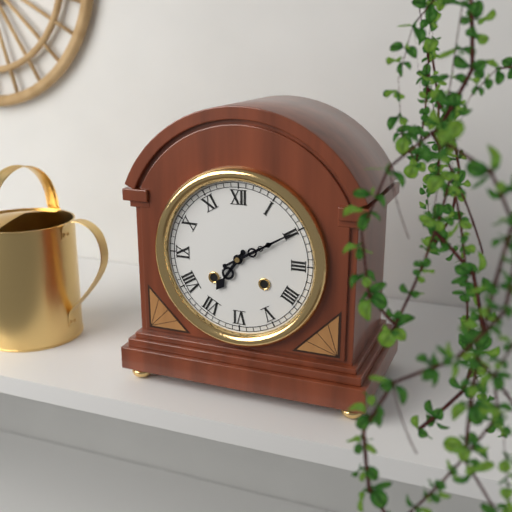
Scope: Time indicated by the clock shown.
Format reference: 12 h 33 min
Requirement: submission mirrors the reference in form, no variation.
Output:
7 h 10 min
